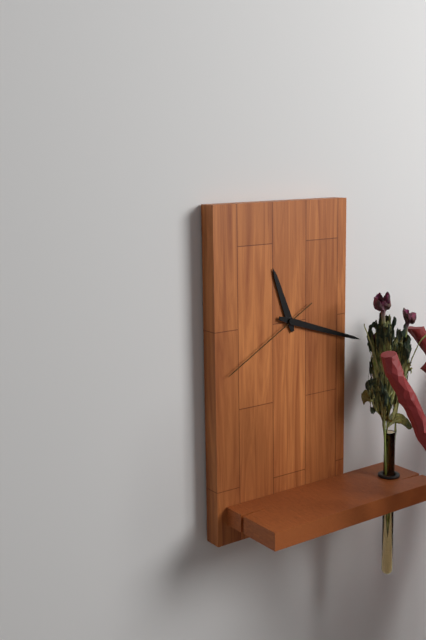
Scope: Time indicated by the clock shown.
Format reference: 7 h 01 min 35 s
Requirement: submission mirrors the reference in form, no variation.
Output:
11 h 18 min 40 s
